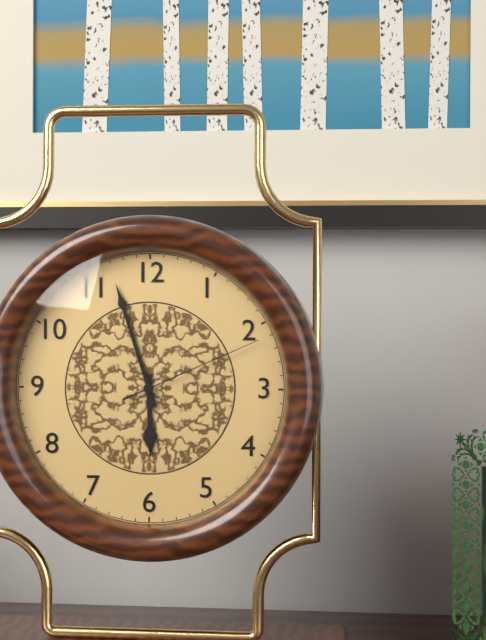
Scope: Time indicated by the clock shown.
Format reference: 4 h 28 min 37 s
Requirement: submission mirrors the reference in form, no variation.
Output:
5 h 57 min 11 s
